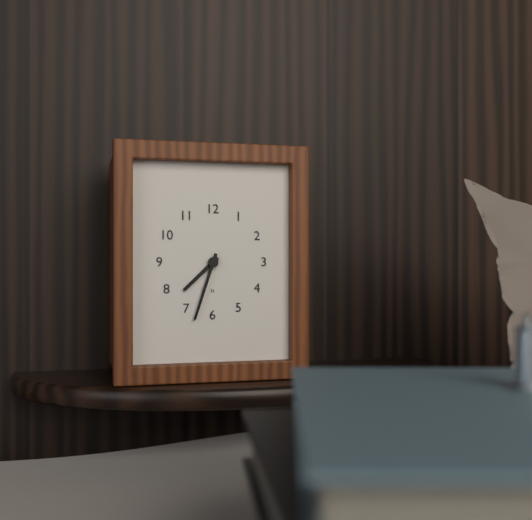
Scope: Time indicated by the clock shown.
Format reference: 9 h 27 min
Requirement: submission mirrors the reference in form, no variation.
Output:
7 h 33 min
